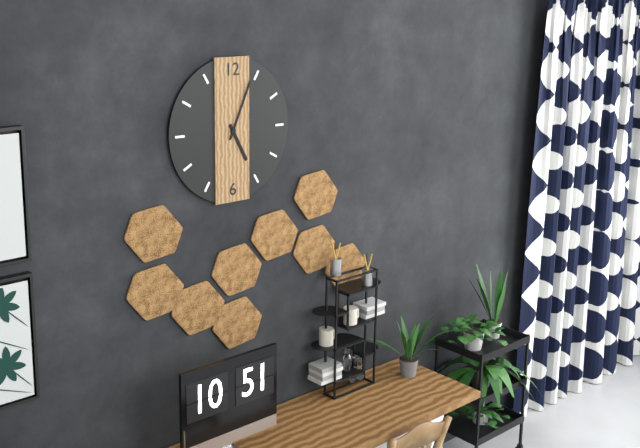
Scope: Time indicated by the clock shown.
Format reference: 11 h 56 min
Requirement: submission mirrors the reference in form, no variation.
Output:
5 h 04 min
